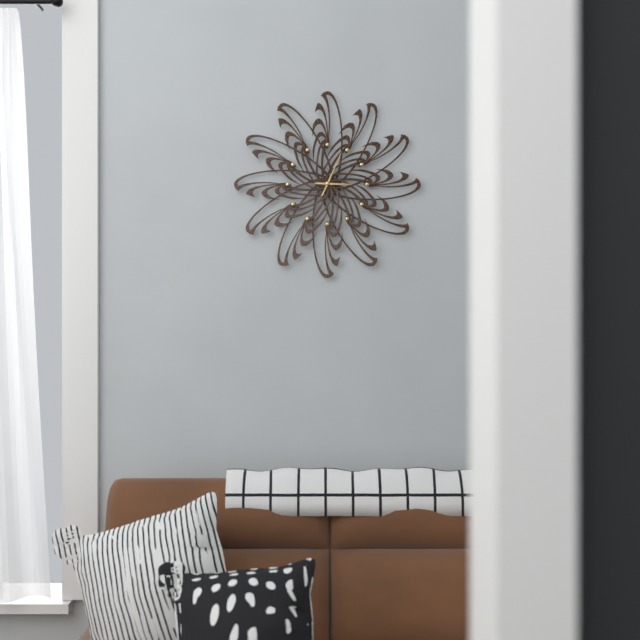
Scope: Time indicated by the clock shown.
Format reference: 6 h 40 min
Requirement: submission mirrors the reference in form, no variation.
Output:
3 h 04 min
